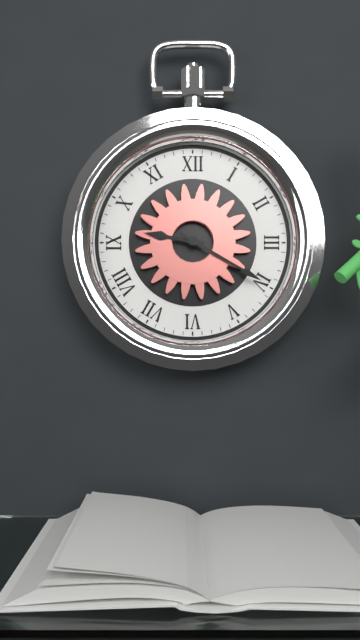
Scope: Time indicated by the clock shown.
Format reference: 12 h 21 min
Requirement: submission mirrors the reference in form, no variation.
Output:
9 h 20 min
